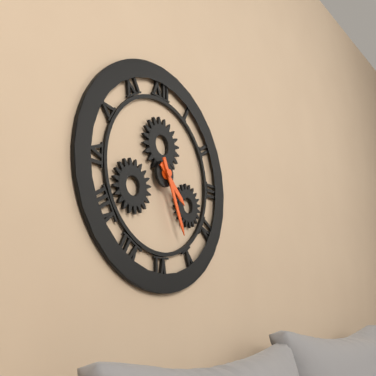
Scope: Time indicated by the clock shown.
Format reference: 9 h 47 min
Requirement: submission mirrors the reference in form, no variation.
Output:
4 h 26 min
